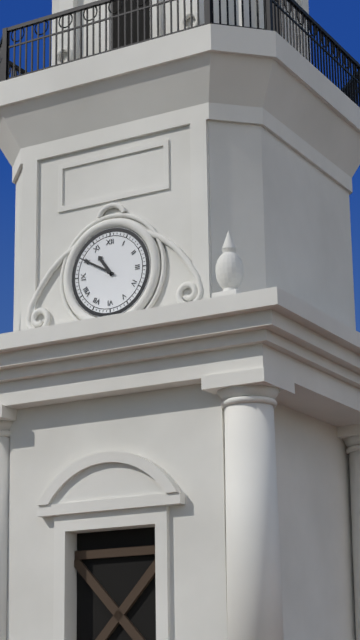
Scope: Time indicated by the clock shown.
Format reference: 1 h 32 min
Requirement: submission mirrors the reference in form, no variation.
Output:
10 h 50 min
